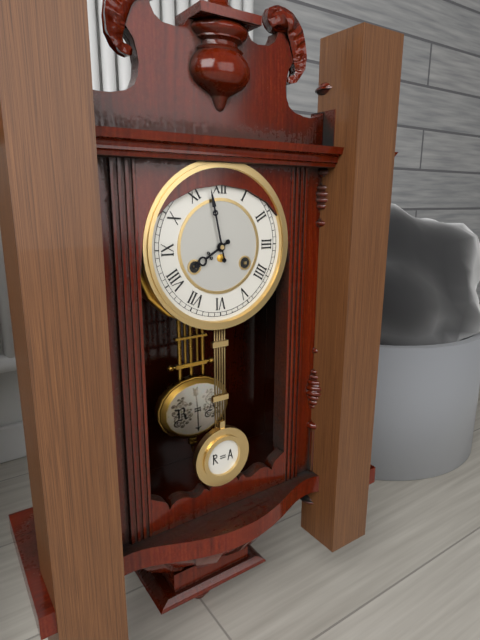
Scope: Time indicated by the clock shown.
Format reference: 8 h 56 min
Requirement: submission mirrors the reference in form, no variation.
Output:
7 h 58 min
